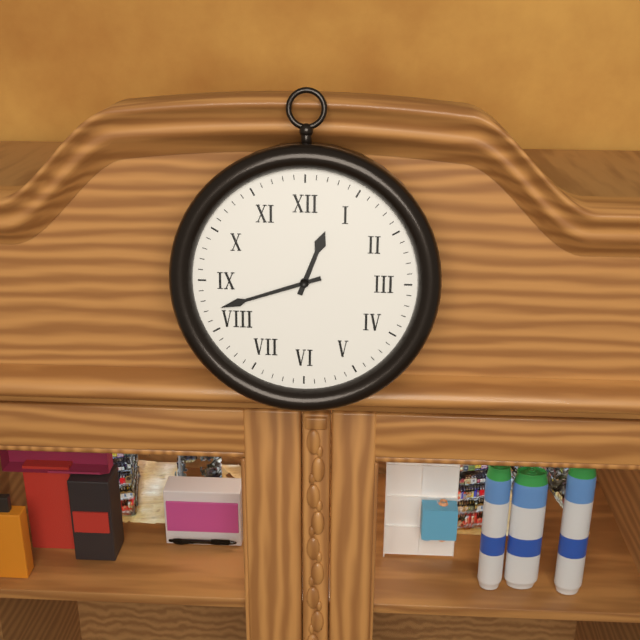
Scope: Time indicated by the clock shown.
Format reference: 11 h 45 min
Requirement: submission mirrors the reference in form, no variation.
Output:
12 h 42 min
